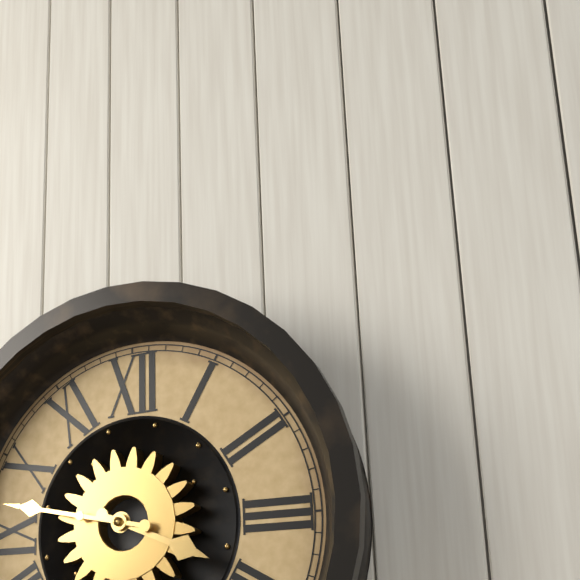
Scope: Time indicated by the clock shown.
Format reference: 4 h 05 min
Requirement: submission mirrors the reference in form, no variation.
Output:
3 h 47 min
